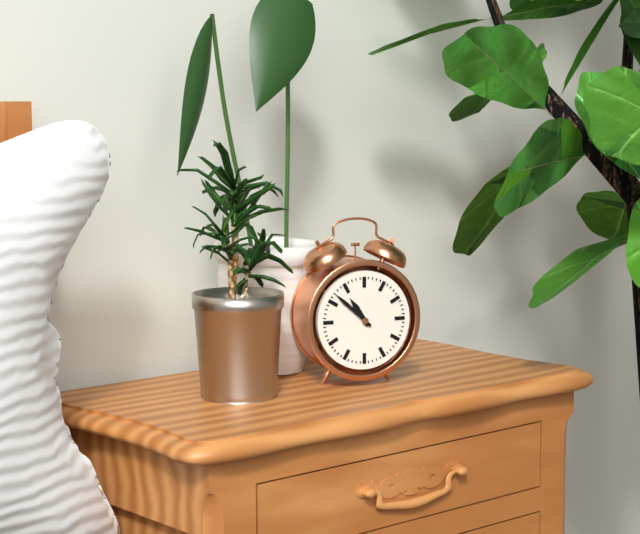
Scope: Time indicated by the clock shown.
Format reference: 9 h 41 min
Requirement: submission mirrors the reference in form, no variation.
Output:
10 h 52 min
